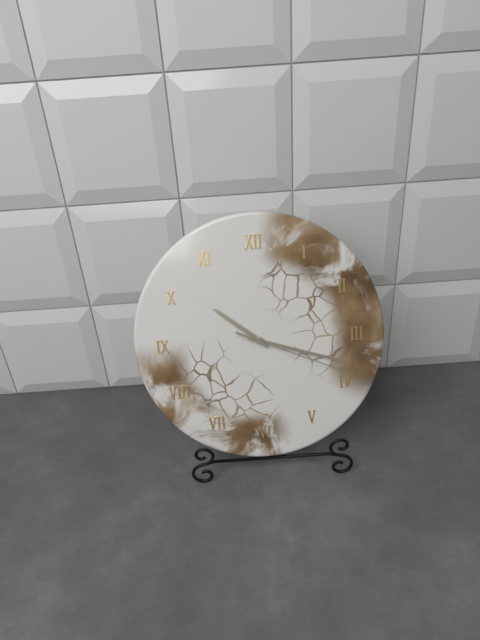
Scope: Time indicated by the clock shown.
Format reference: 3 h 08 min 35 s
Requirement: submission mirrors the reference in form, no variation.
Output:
10 h 18 min 19 s
